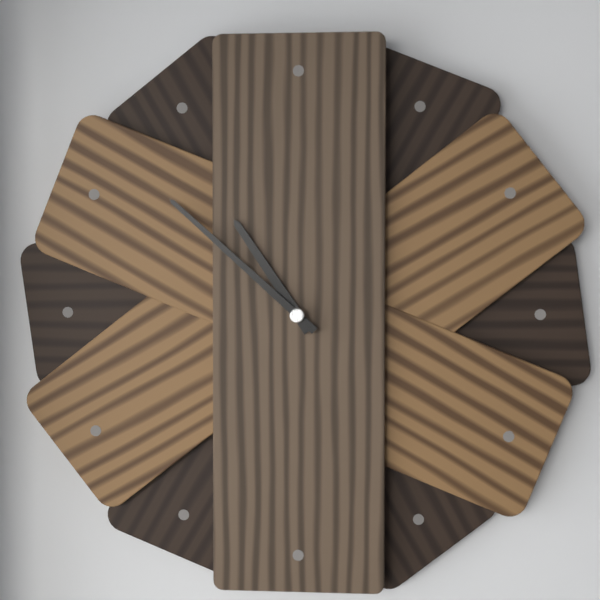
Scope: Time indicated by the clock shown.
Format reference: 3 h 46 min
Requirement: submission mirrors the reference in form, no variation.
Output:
10 h 52 min
